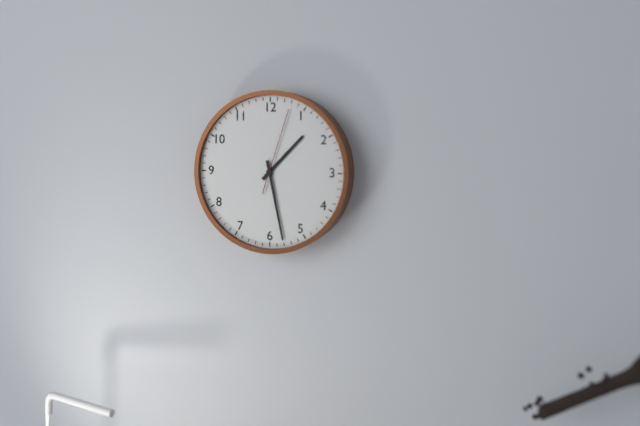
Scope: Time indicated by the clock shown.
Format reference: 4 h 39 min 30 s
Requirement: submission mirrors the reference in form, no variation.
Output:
1 h 28 min 03 s
